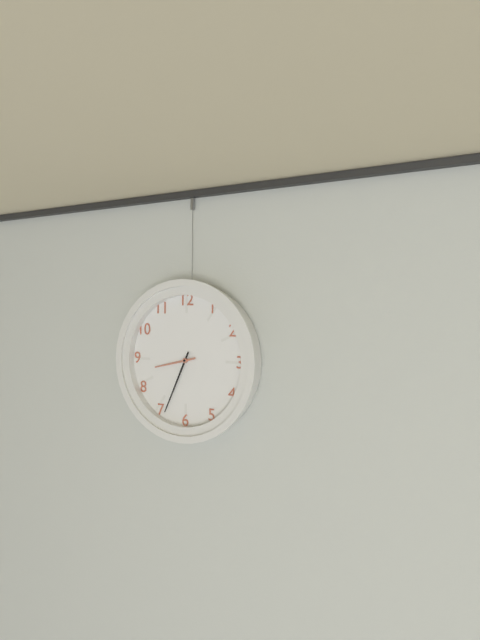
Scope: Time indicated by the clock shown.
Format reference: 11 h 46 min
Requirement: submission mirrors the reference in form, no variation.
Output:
8 h 34 min
